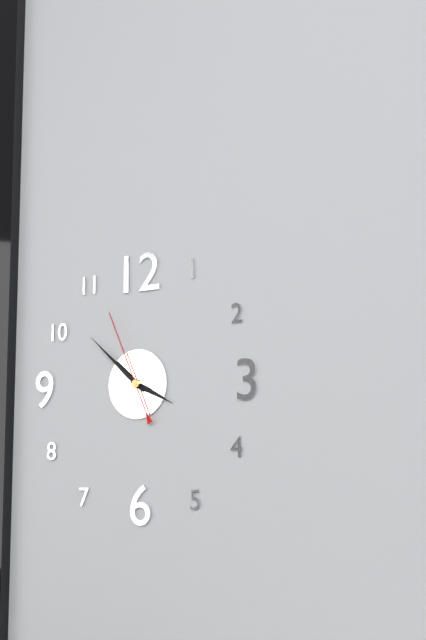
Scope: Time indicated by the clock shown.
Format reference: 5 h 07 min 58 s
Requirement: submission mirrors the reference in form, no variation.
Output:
3 h 52 min 56 s
